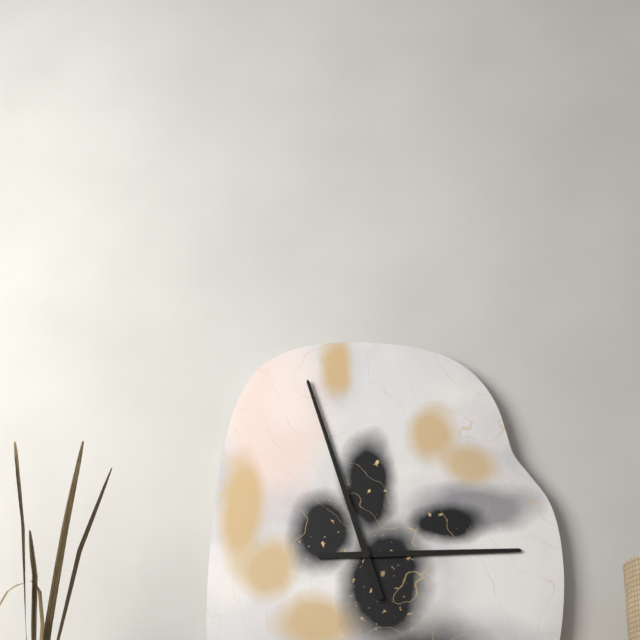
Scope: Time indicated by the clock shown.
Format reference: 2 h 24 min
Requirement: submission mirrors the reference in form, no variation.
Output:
2 h 57 min
